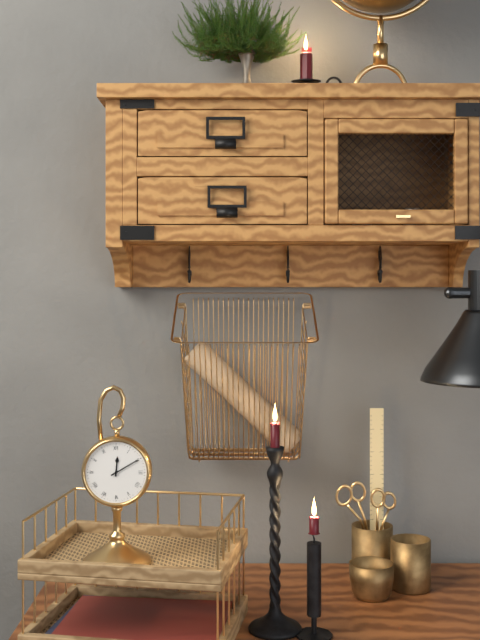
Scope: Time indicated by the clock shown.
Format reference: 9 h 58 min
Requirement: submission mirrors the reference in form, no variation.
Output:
12 h 10 min
